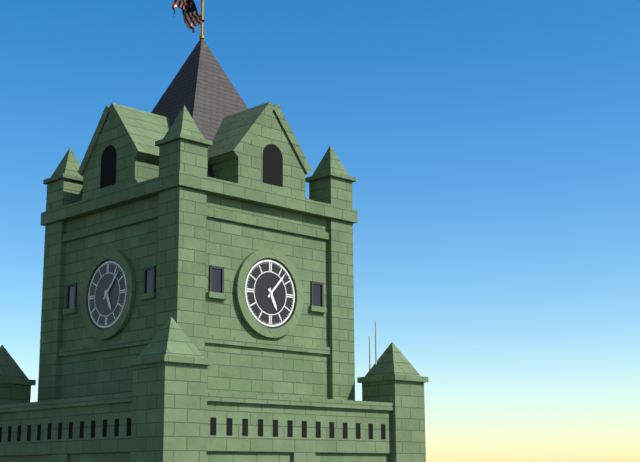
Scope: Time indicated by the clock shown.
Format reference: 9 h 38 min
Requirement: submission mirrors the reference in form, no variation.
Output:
5 h 07 min
